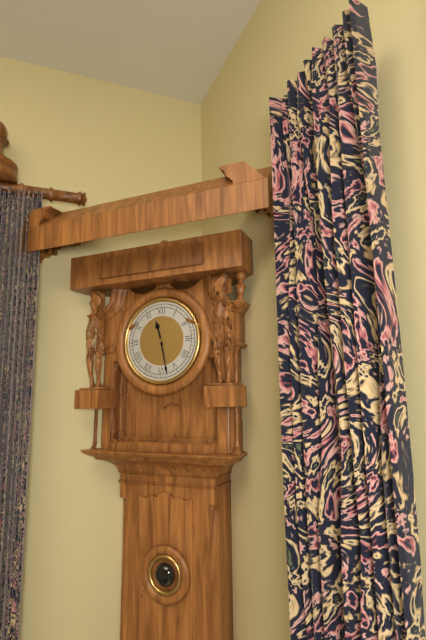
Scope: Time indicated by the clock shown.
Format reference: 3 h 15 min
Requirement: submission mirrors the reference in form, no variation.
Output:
11 h 28 min
